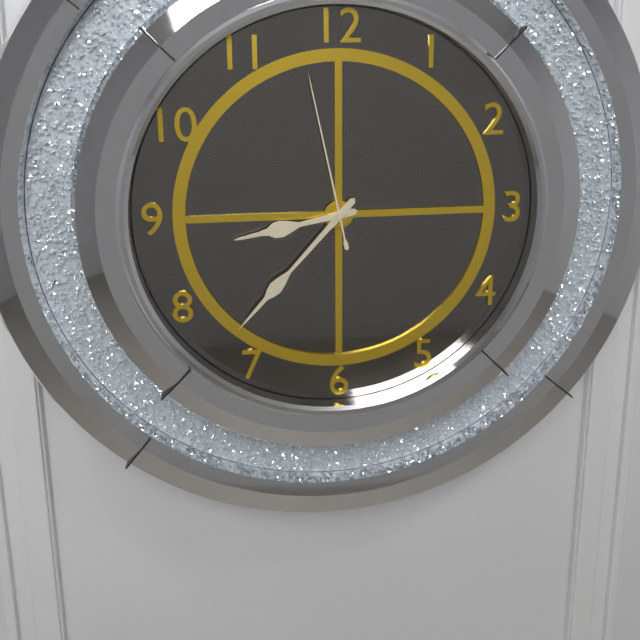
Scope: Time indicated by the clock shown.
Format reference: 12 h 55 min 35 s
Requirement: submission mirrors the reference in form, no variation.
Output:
8 h 37 min 58 s
